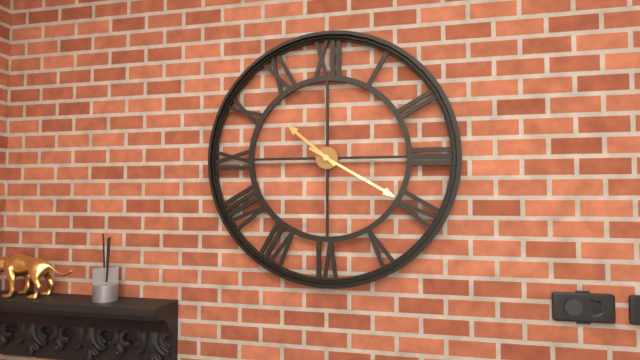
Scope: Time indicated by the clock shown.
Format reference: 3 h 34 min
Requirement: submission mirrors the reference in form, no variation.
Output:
10 h 20 min
